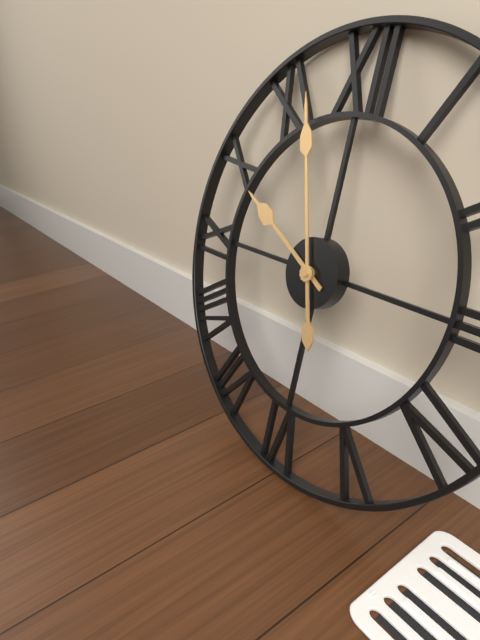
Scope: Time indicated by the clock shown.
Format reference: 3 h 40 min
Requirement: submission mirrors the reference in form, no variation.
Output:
9 h 57 min
